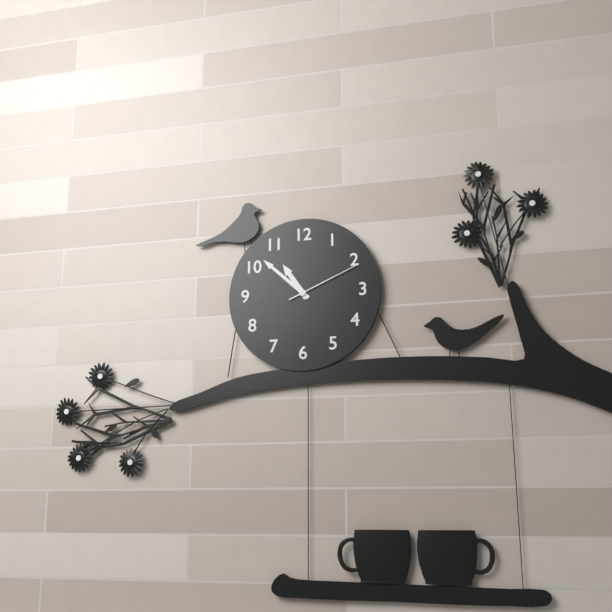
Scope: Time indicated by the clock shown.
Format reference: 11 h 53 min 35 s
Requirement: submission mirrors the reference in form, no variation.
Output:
10 h 52 min 11 s
